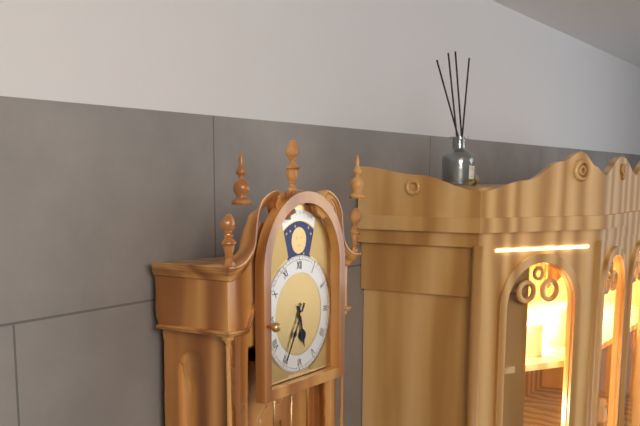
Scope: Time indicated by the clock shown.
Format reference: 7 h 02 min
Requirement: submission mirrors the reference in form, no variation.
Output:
5 h 35 min
